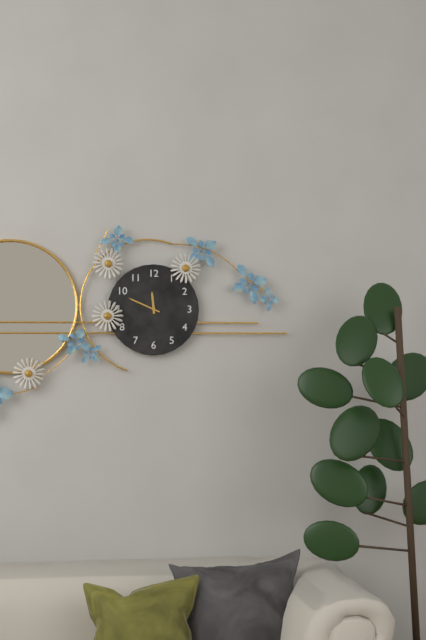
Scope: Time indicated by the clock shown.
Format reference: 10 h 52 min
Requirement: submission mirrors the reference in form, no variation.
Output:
11 h 49 min
